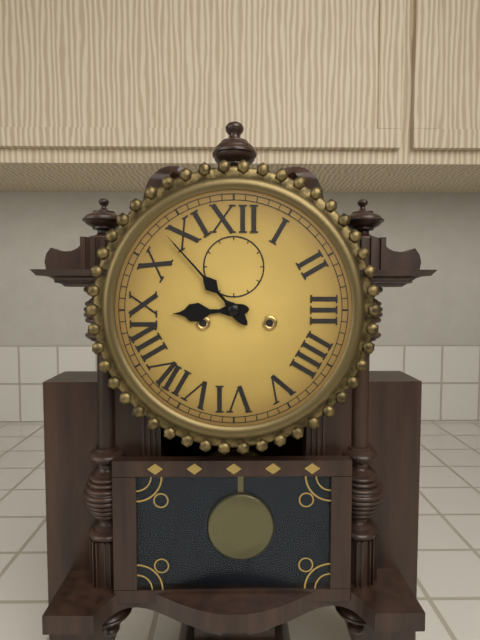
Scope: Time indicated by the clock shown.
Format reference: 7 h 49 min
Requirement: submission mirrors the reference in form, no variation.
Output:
8 h 53 min
